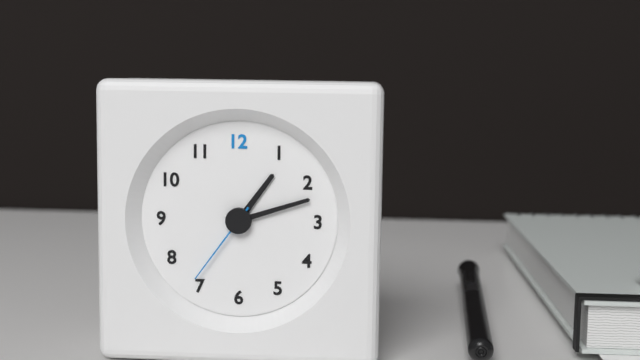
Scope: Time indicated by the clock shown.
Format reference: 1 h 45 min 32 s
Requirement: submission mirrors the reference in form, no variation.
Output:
1 h 12 min 36 s
